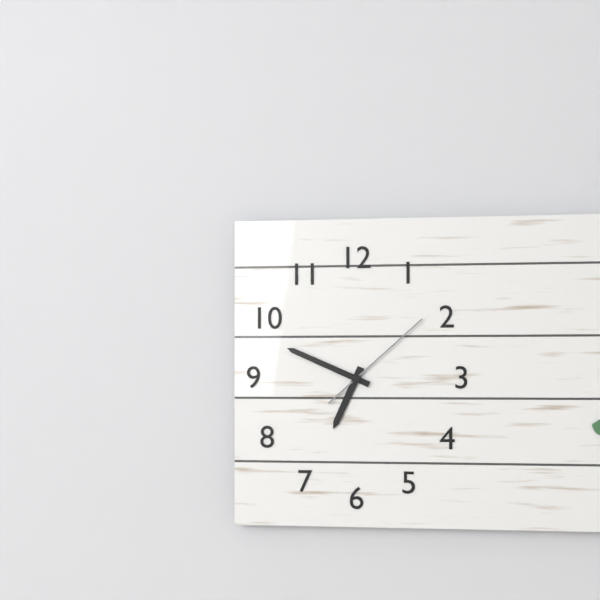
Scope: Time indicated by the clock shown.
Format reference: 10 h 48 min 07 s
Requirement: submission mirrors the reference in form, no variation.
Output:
6 h 49 min 08 s
